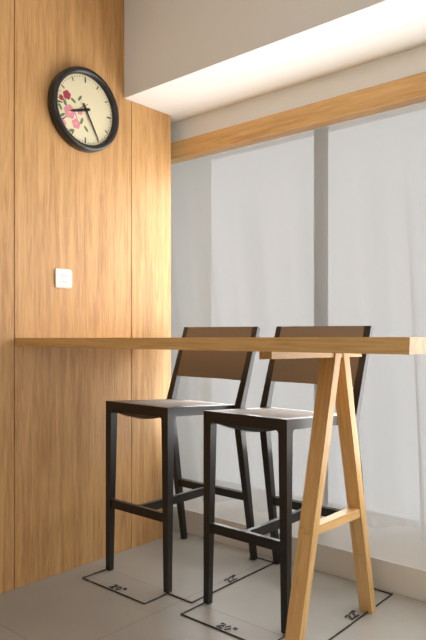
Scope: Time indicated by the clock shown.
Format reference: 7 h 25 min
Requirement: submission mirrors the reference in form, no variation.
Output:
8 h 25 min
